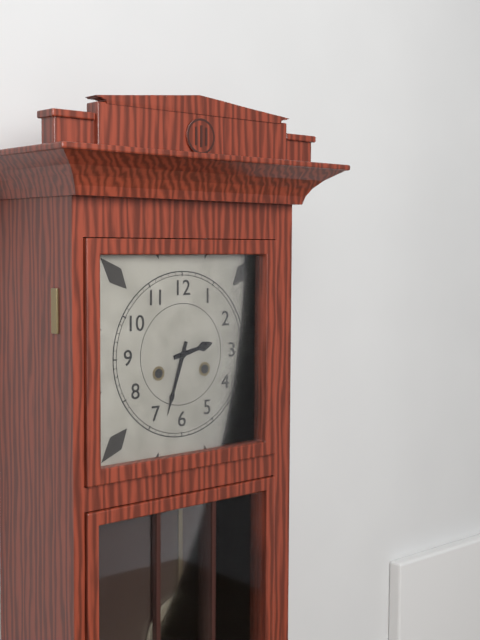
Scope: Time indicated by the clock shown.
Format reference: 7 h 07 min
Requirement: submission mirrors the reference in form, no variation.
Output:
2 h 33 min
